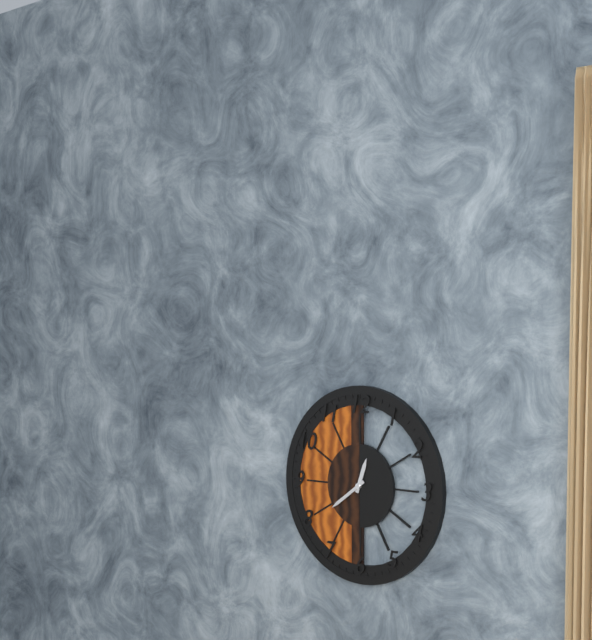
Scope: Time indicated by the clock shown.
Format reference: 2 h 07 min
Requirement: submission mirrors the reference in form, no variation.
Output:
12 h 39 min
